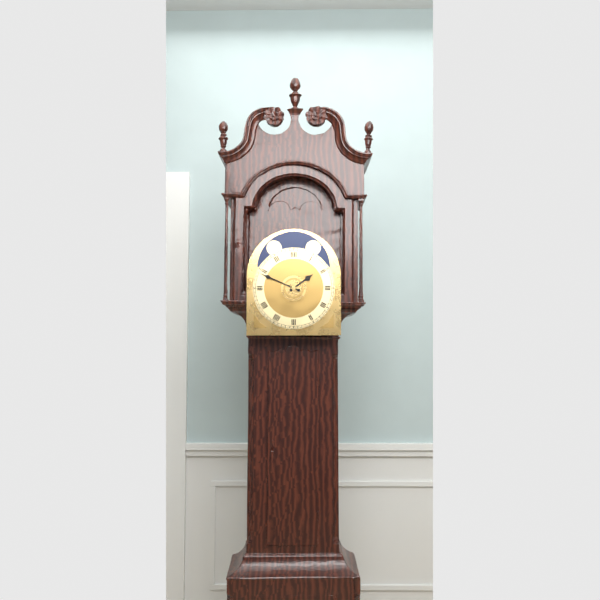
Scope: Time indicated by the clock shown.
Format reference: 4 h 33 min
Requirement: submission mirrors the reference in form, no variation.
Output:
1 h 49 min
